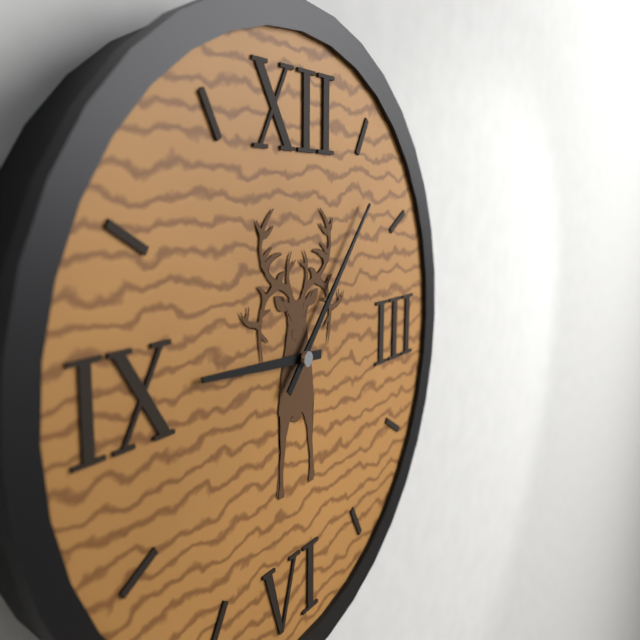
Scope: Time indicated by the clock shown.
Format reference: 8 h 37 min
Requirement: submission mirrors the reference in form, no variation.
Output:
9 h 07 min
